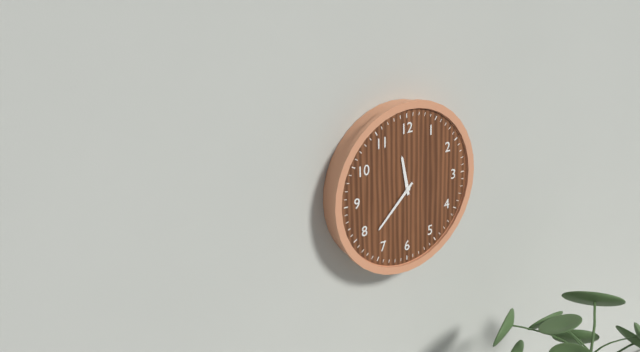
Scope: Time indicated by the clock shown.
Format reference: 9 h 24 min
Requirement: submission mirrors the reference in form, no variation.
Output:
11 h 38 min
